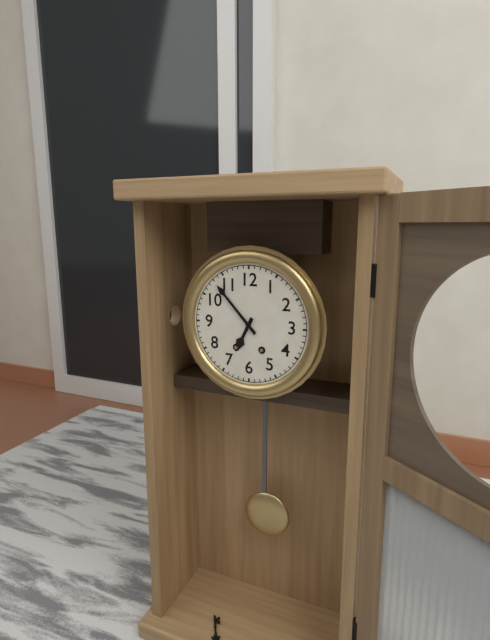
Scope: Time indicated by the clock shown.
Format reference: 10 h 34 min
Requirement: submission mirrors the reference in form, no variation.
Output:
6 h 53 min
